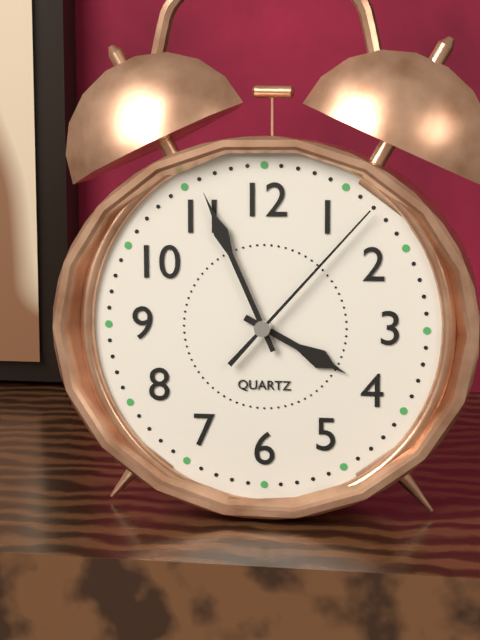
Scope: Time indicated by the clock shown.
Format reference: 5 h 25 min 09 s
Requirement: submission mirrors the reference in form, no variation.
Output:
3 h 56 min 07 s
